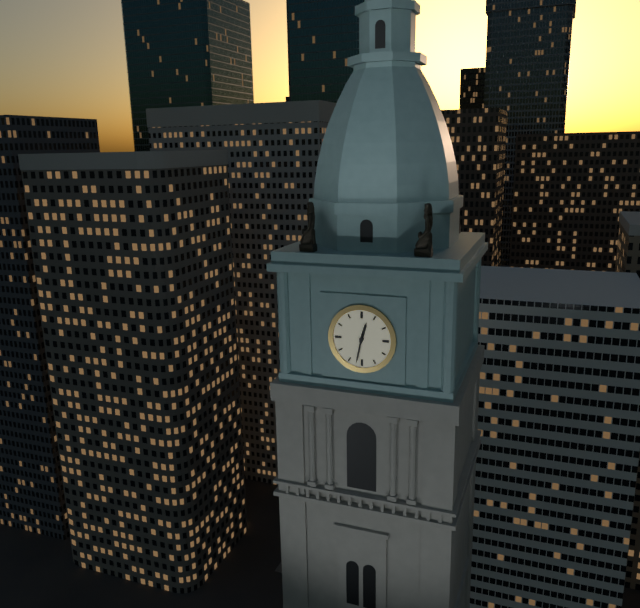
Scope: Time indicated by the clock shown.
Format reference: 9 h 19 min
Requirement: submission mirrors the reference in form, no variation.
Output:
12 h 32 min
